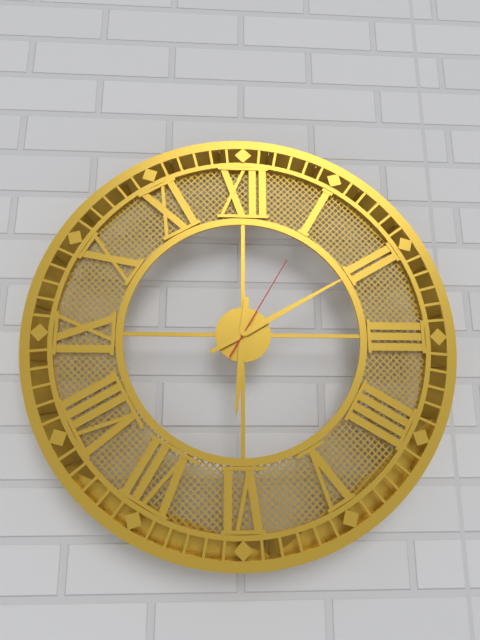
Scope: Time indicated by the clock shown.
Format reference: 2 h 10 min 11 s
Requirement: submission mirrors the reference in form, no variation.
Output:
6 h 10 min 05 s
